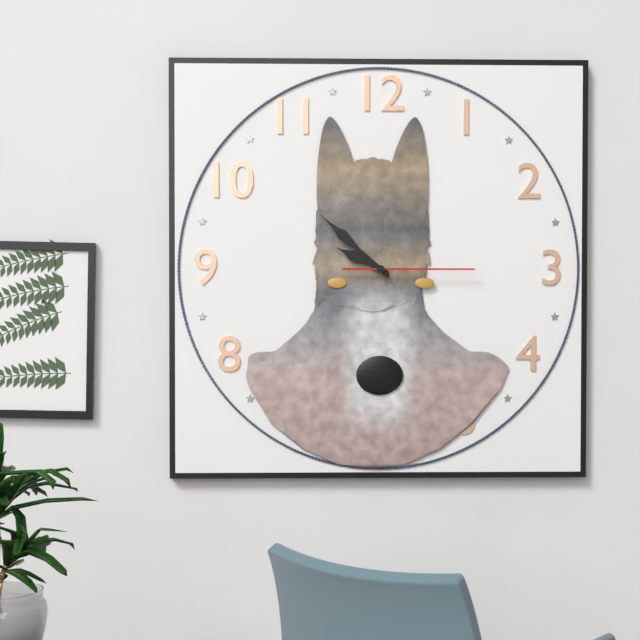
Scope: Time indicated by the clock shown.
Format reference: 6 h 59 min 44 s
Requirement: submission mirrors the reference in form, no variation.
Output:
9 h 52 min 15 s
